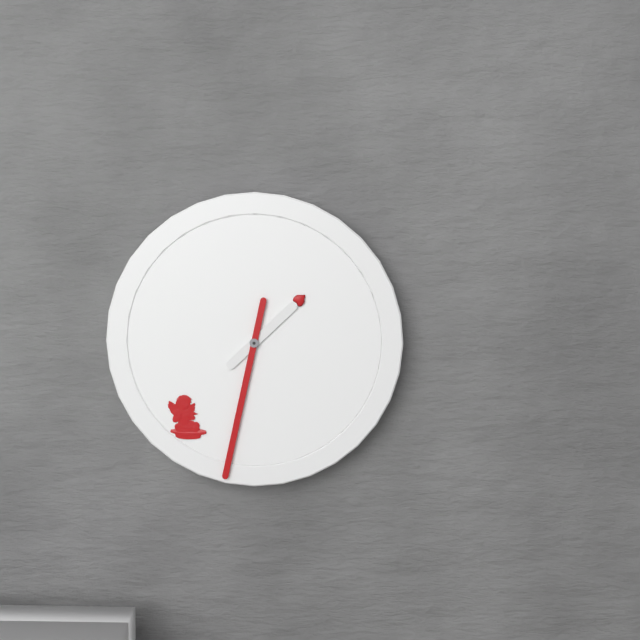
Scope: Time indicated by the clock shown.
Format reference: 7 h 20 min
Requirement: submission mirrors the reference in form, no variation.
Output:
1 h 32 min
